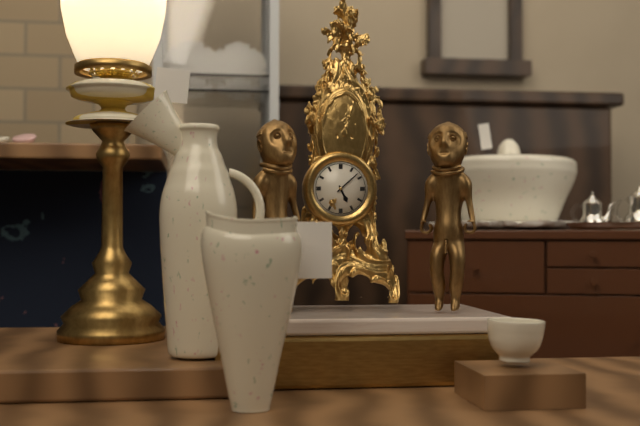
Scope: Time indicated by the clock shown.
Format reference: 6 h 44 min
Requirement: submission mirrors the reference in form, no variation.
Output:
5 h 08 min
